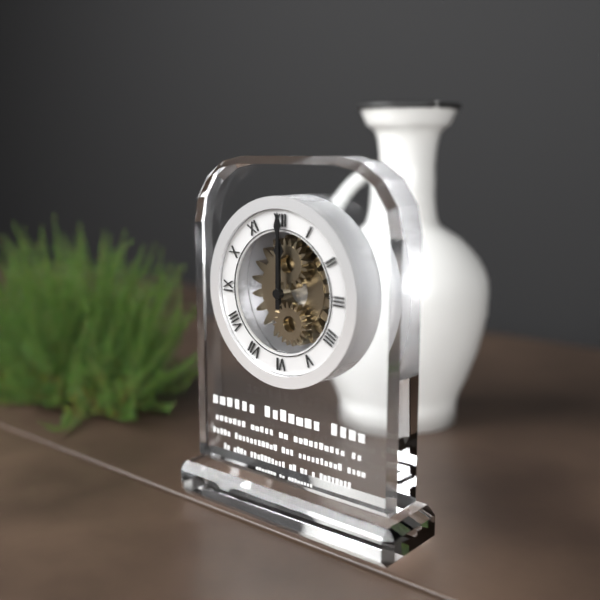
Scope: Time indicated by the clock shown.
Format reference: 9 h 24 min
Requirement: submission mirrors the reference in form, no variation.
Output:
12 h 00 min
